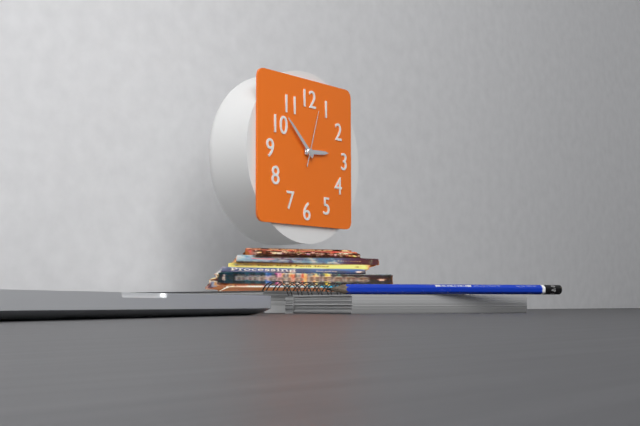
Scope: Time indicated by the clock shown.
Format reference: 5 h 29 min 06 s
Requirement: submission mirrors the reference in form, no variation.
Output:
2 h 52 min 03 s
